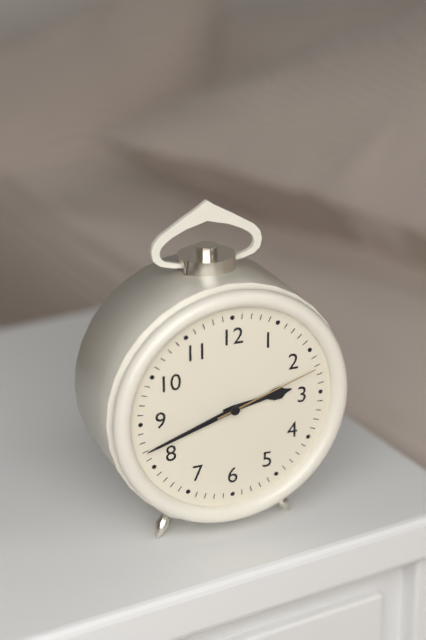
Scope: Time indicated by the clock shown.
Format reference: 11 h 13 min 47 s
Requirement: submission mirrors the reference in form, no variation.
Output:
2 h 42 min 12 s
